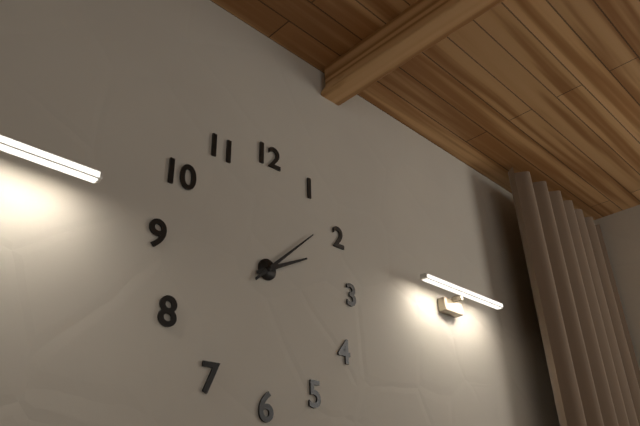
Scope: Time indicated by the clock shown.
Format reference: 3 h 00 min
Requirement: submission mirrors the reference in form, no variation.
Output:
2 h 08 min
